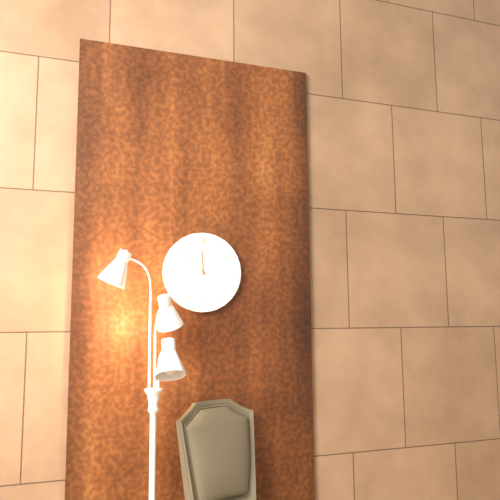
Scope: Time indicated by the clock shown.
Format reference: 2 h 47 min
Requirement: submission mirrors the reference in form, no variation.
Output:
11 h 52 min
